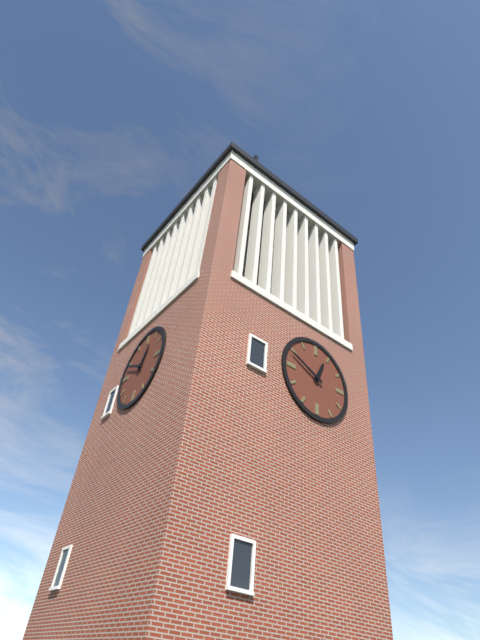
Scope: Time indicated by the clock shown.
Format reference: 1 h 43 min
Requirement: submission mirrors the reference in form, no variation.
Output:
12 h 49 min
